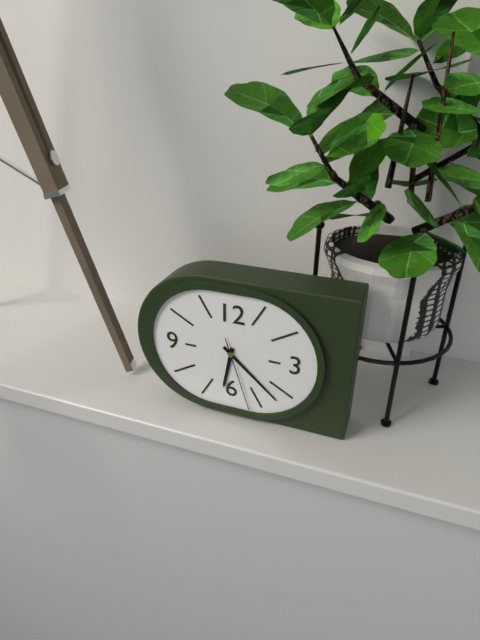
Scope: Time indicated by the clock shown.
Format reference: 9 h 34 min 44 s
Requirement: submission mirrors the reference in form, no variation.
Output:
6 h 22 min 27 s
